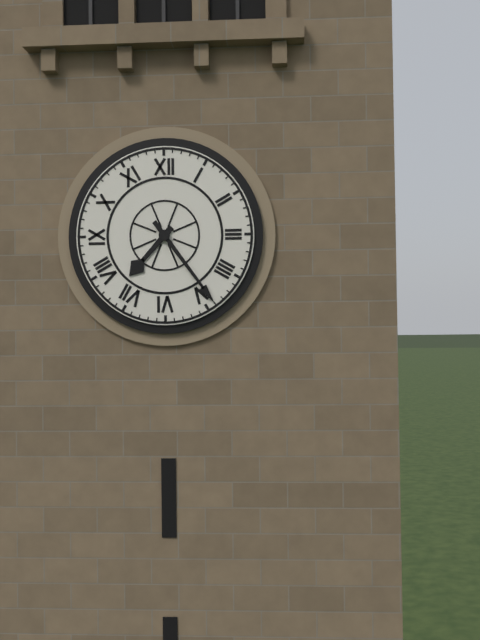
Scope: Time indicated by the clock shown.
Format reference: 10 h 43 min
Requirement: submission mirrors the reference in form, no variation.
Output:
7 h 24 min
